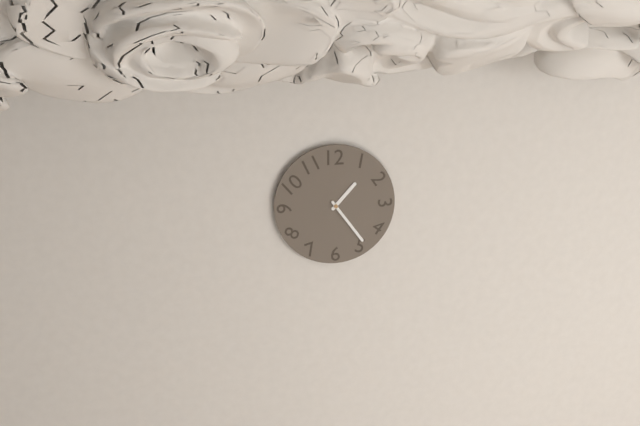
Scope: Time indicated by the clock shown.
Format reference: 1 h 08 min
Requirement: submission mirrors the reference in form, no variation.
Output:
1 h 24 min
